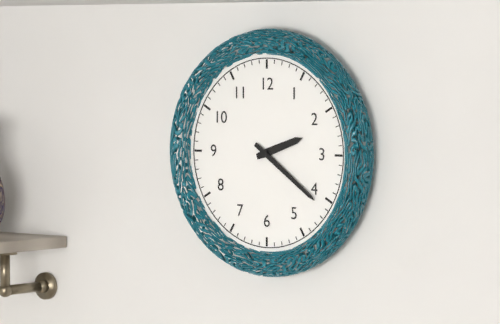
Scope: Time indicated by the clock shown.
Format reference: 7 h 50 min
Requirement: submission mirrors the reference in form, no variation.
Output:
2 h 21 min
